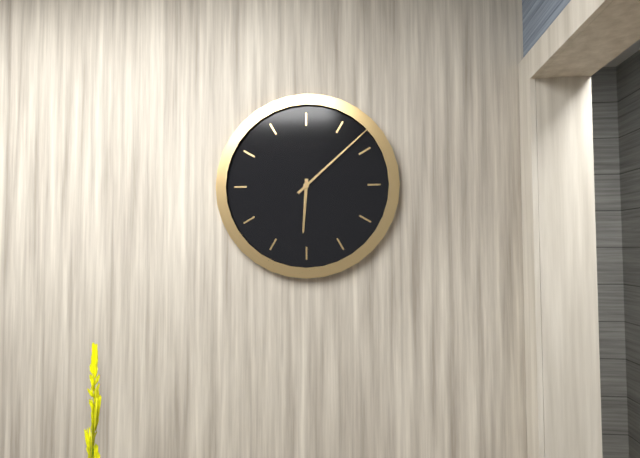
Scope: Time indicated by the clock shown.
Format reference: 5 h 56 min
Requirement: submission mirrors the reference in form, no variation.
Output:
6 h 08 min
